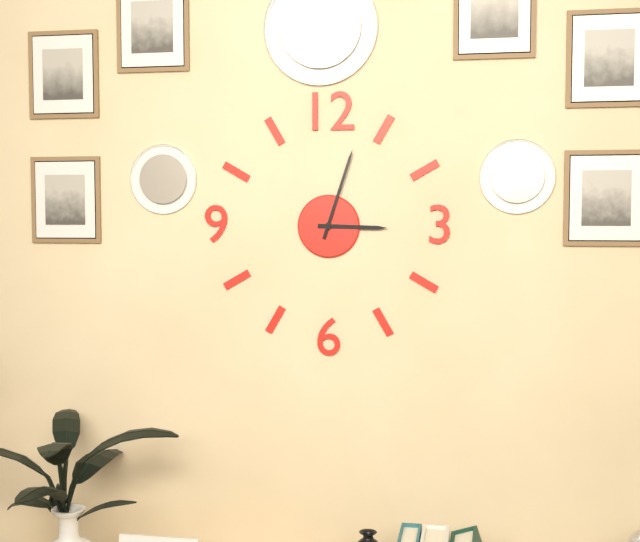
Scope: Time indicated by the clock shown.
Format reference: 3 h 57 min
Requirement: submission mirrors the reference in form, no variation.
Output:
3 h 03 min
